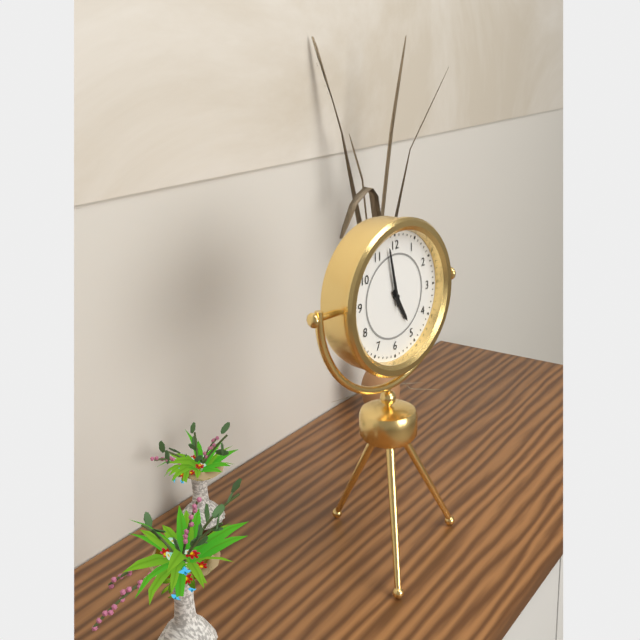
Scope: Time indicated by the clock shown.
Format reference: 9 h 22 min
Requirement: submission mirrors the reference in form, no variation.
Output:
4 h 58 min
